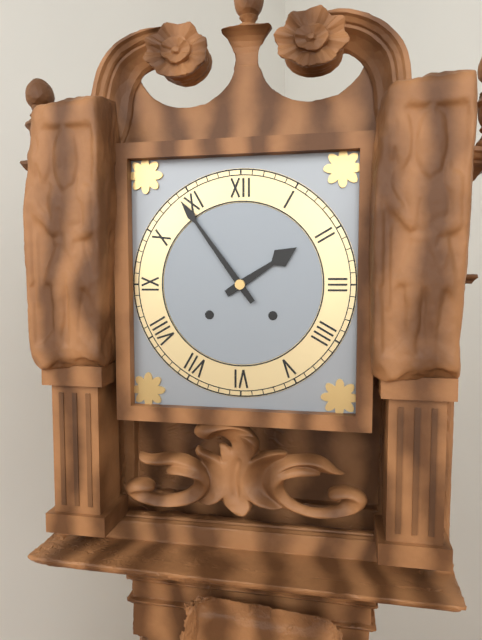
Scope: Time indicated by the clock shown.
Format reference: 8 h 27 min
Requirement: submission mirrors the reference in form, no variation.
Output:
1 h 54 min
